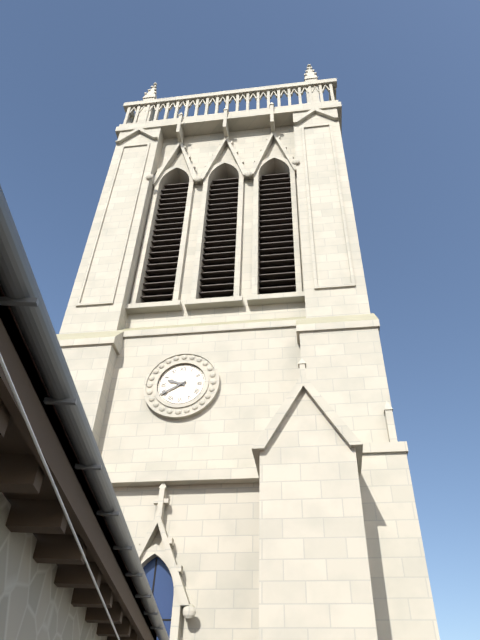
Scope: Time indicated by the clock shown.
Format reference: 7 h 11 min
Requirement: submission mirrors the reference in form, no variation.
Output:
9 h 40 min
